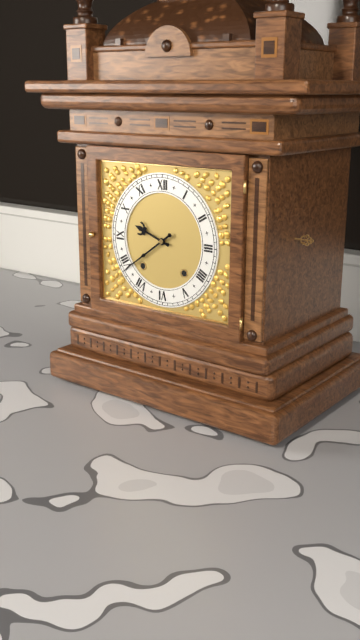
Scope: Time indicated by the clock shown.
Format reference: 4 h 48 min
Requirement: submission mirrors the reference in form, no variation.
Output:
9 h 39 min
